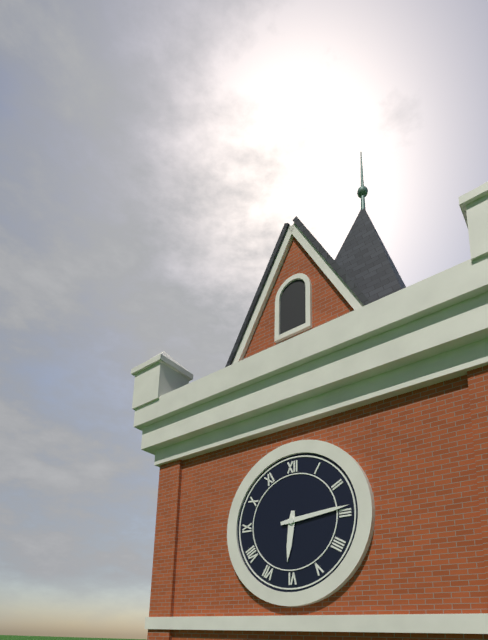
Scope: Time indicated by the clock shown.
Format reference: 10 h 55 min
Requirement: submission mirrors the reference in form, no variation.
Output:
6 h 14 min
